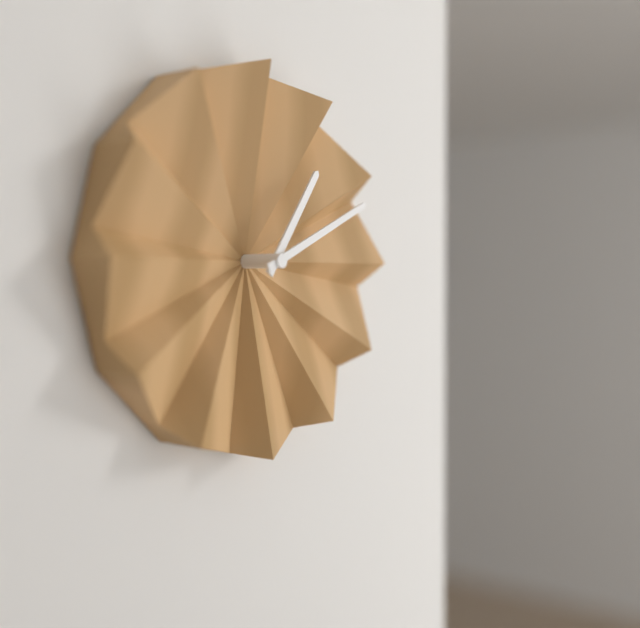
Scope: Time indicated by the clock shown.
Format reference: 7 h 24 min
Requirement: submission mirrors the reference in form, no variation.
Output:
1 h 11 min
